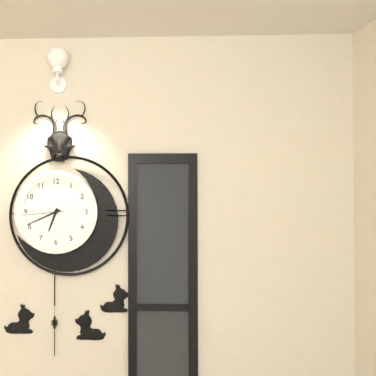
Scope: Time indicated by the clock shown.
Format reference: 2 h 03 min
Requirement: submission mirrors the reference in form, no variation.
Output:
6 h 41 min
